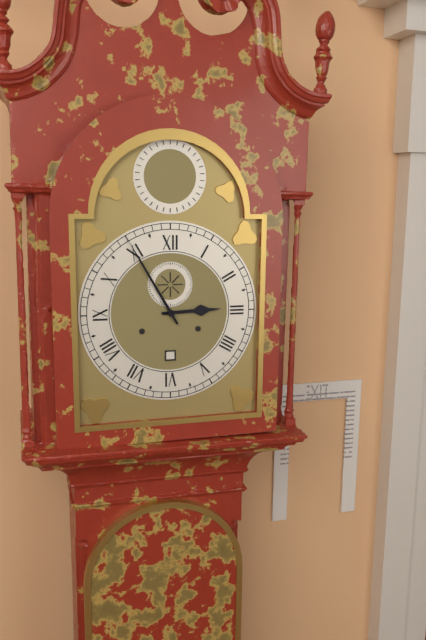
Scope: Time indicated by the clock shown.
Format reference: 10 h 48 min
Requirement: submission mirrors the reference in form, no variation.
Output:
2 h 55 min
